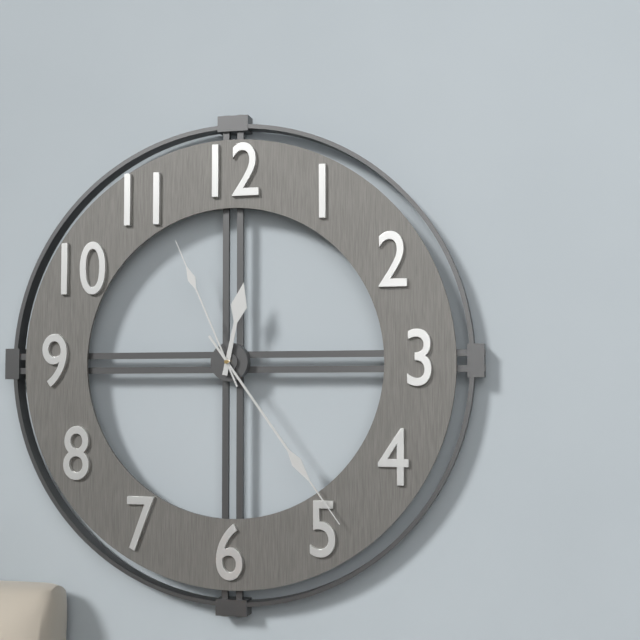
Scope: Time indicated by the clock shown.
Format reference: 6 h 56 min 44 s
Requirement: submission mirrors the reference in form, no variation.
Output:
12 h 24 min 56 s
